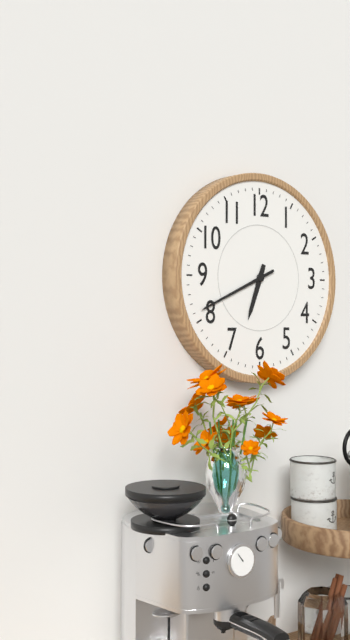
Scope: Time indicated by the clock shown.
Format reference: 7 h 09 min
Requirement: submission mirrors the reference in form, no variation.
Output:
6 h 41 min
